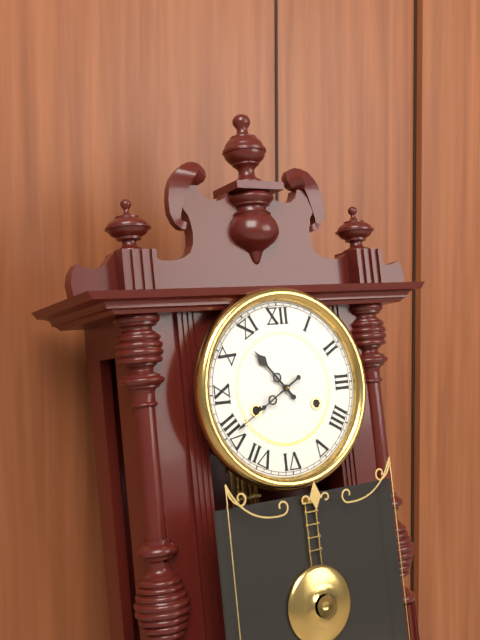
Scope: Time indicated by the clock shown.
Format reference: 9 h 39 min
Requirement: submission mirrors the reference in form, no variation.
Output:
10 h 40 min
